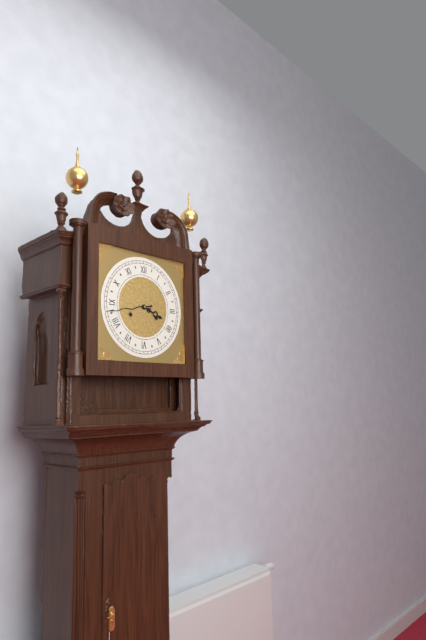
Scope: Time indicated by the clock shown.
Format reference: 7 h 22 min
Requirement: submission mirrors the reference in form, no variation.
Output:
3 h 43 min
